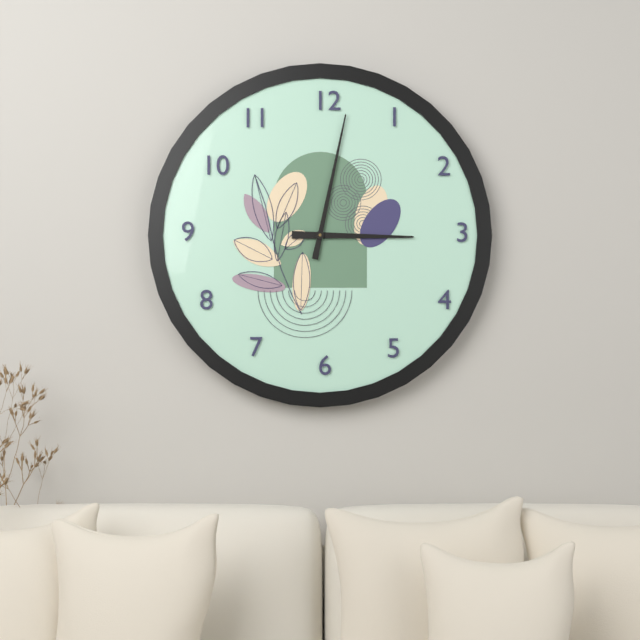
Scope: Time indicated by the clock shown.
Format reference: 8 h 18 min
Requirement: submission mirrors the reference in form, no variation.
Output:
3 h 02 min
